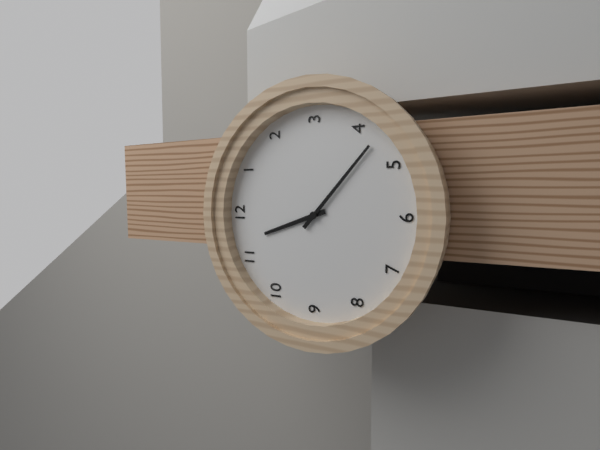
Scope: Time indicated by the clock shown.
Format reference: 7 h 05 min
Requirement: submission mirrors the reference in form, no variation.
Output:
11 h 22 min
